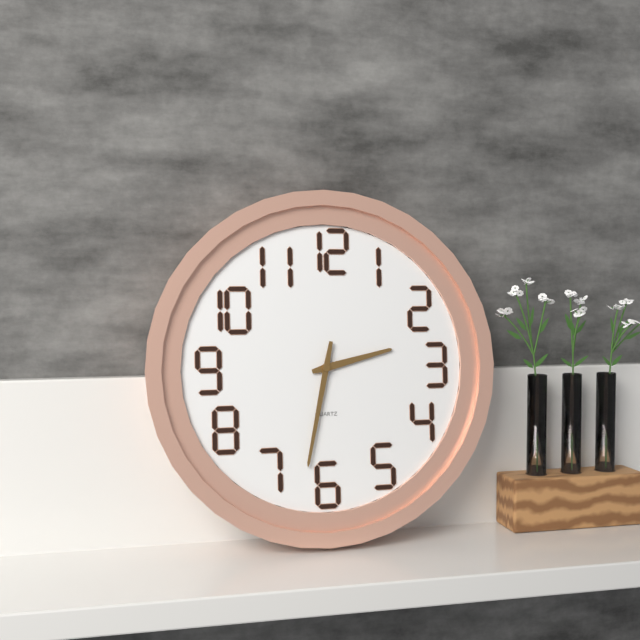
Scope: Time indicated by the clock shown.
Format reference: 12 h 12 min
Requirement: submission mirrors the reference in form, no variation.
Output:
2 h 32 min
